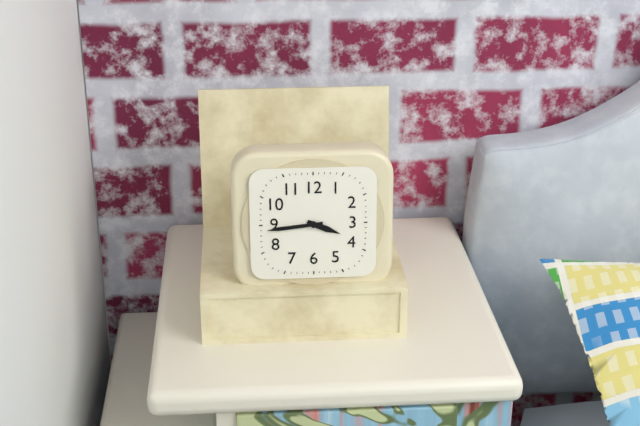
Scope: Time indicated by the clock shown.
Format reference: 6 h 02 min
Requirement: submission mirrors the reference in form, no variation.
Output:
3 h 44 min
